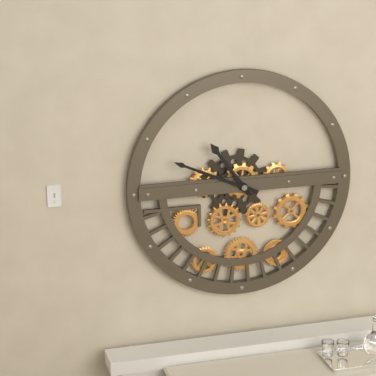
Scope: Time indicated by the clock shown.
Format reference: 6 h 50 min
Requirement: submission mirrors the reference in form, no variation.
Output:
10 h 49 min
